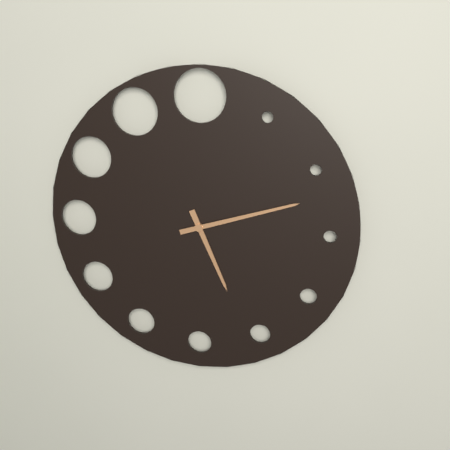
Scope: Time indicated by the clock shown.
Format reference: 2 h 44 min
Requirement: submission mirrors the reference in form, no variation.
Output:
5 h 12 min
